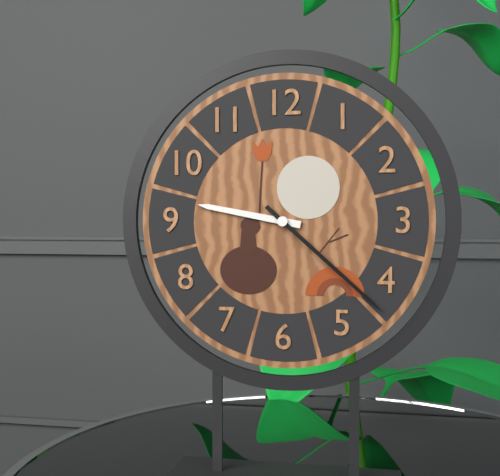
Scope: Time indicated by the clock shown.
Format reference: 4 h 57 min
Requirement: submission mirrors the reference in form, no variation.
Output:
9 h 22 min
